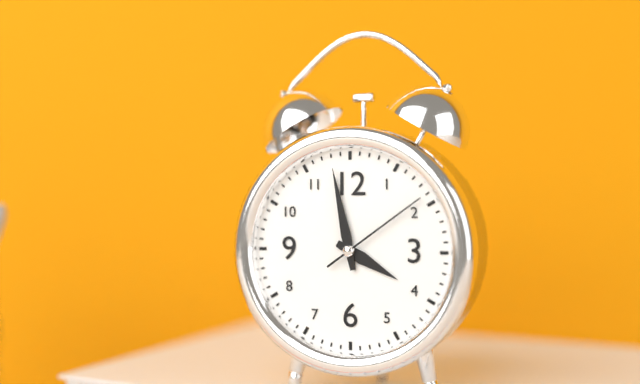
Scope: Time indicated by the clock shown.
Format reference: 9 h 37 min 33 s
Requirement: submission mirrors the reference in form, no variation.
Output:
3 h 58 min 09 s
